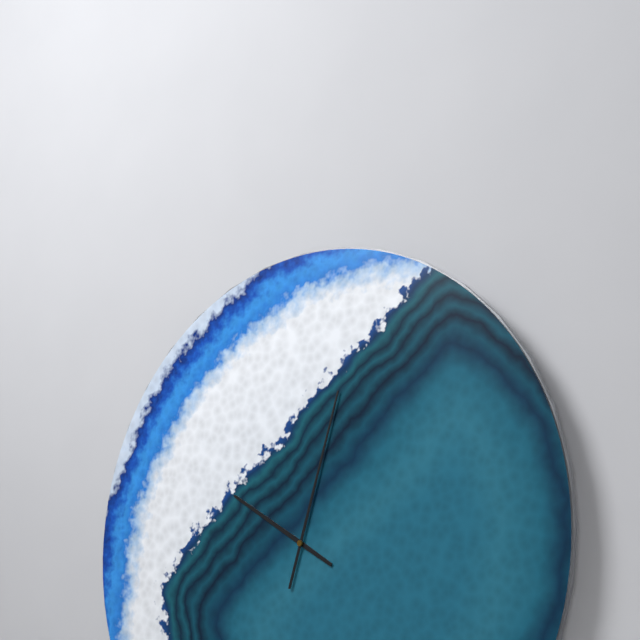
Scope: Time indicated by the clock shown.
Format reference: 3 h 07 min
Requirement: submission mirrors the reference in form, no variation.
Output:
10 h 03 min
